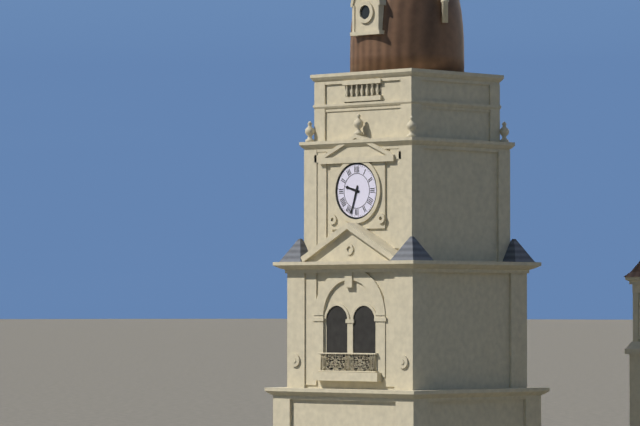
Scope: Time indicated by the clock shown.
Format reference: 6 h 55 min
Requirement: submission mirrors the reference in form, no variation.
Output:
9 h 33 min
